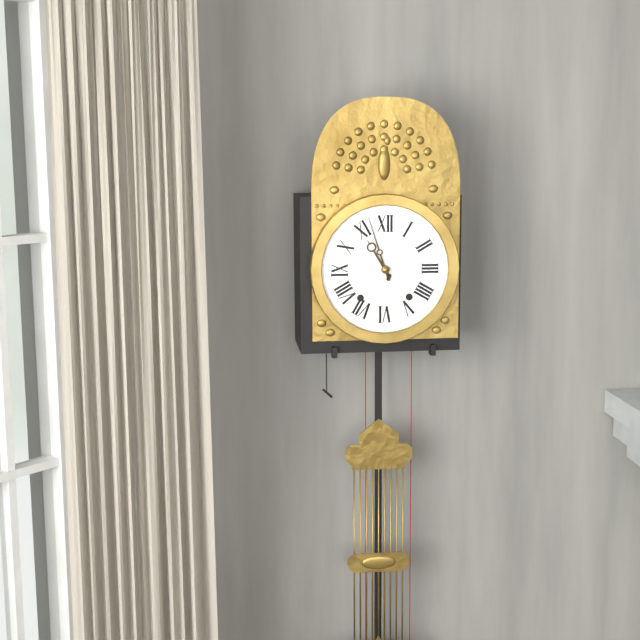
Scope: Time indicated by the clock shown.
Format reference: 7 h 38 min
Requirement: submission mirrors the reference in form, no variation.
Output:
10 h 57 min
